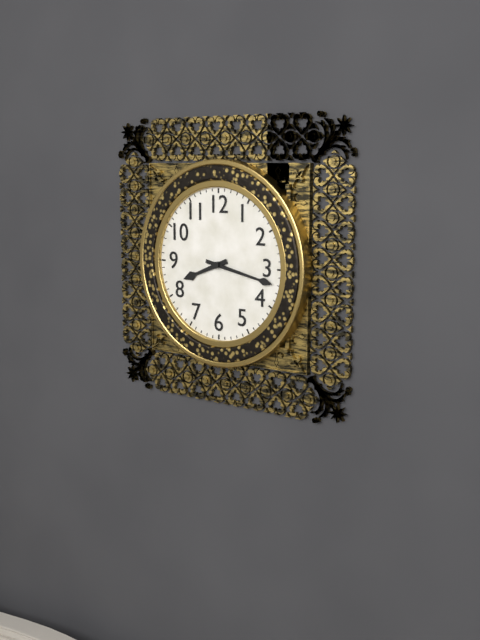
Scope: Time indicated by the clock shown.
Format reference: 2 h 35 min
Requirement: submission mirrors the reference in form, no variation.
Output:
8 h 17 min
